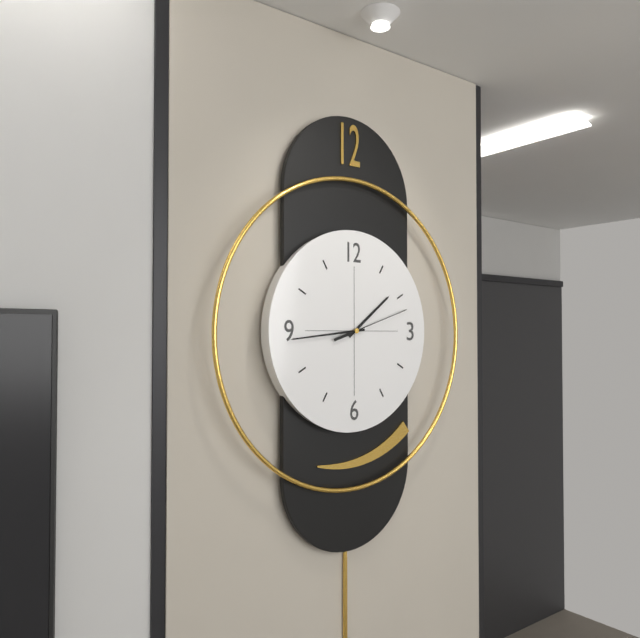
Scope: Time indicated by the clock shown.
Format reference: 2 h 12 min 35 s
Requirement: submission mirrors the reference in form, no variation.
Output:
1 h 44 min 12 s
